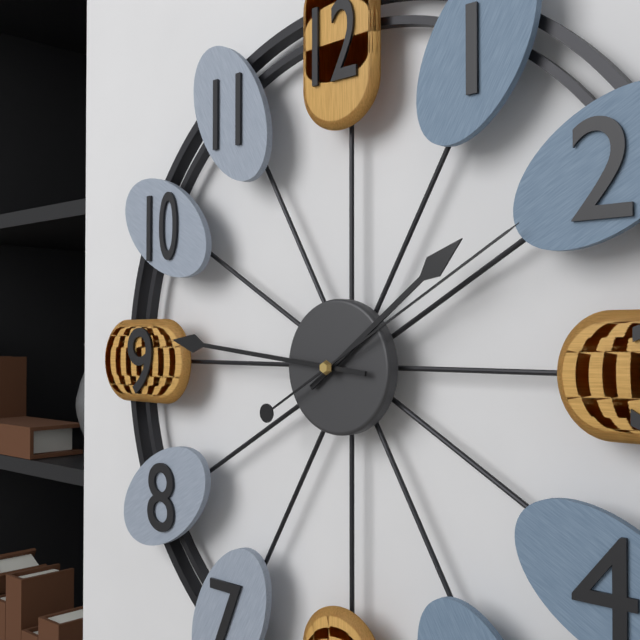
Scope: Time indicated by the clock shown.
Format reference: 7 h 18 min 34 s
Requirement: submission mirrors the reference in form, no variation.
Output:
1 h 46 min 10 s
